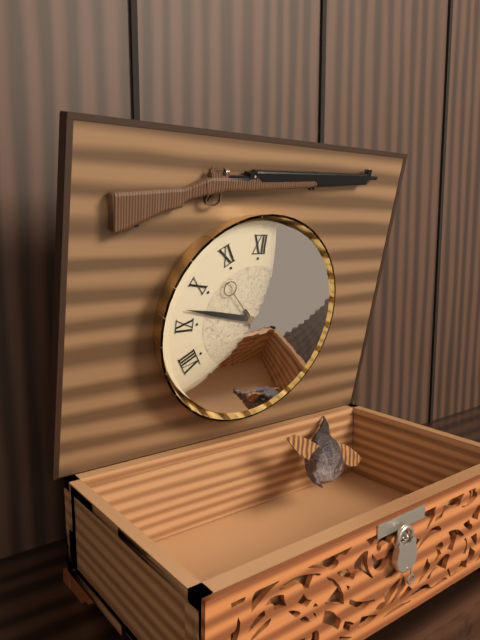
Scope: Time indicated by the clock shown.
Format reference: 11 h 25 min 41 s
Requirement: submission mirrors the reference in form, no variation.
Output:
4 h 47 min 23 s
